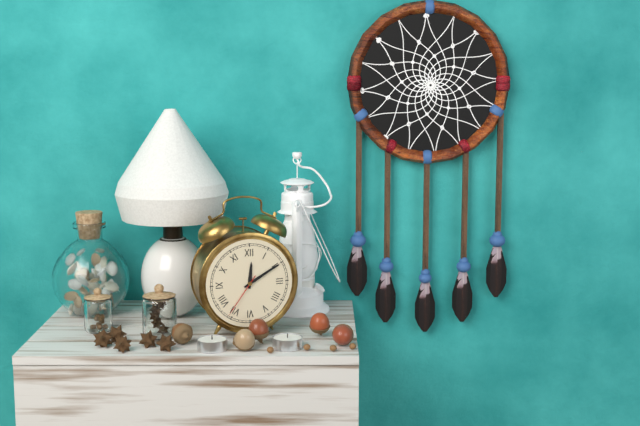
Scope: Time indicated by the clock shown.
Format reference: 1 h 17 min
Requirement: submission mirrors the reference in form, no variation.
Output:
12 h 10 min
